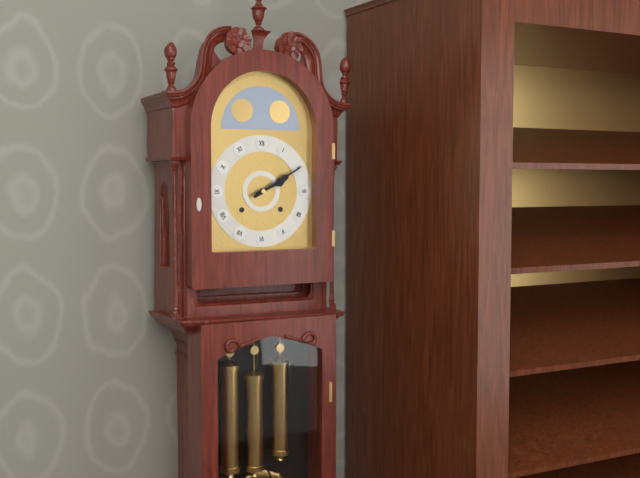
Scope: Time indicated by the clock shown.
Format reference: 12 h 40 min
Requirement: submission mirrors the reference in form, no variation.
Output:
2 h 10 min
